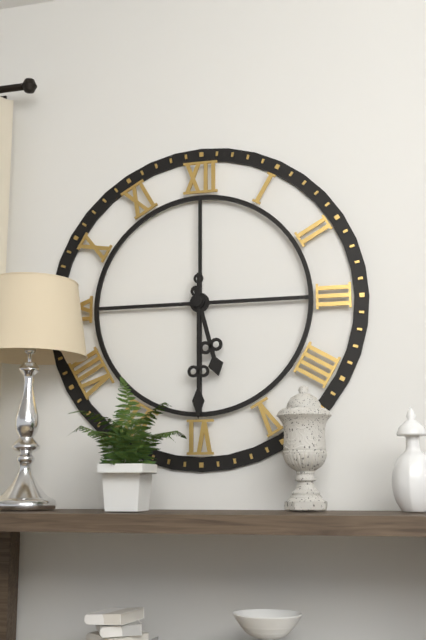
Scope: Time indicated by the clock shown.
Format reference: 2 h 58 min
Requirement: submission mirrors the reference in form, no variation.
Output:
5 h 30 min
